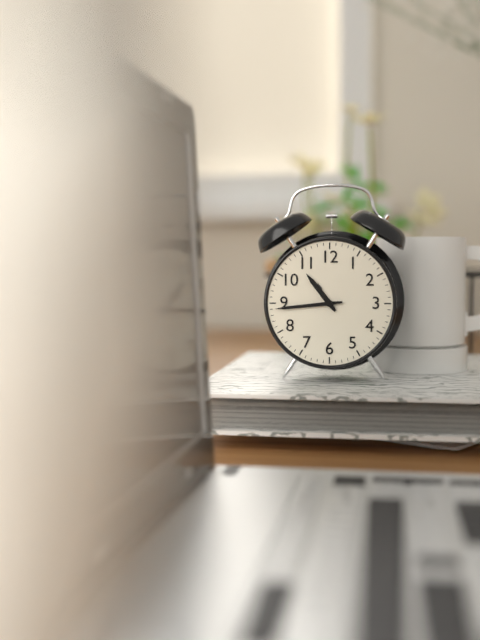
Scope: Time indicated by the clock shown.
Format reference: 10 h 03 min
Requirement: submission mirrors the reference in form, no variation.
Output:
10 h 44 min
